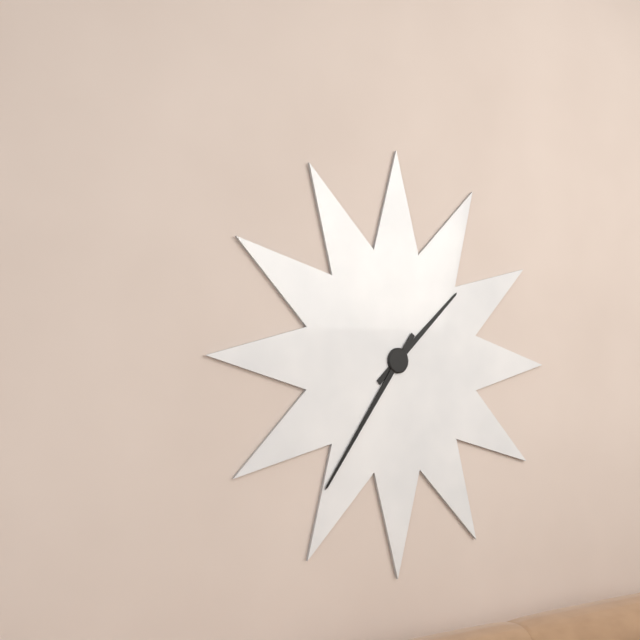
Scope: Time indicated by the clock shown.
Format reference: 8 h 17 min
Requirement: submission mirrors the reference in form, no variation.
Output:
1 h 36 min
